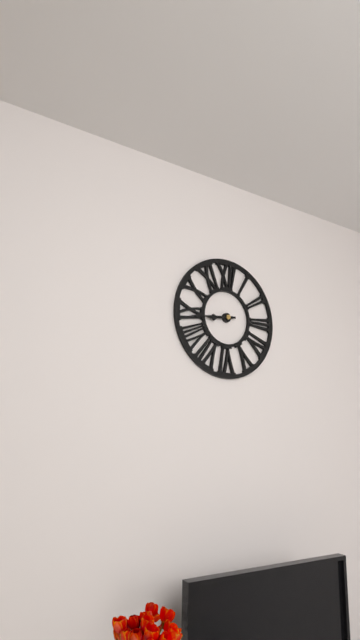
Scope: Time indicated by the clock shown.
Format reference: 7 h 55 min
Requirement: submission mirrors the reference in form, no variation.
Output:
8 h 44 min
